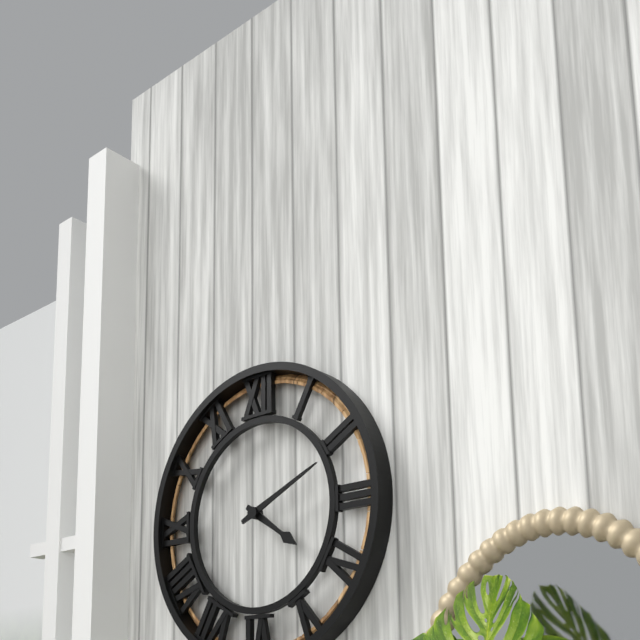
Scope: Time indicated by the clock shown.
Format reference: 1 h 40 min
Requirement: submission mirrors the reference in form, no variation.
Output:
4 h 11 min
